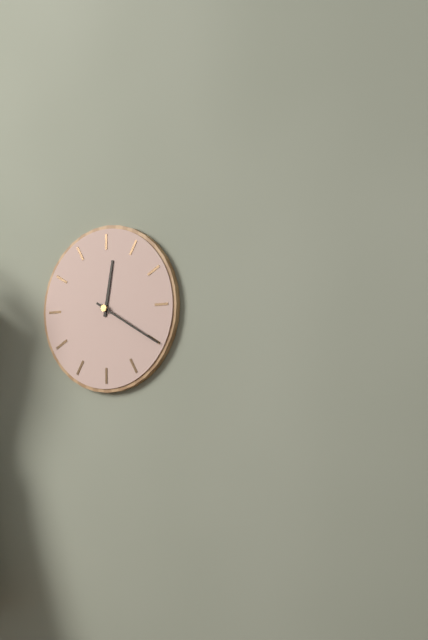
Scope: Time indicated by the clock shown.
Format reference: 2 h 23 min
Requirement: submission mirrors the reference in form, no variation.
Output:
12 h 20 min
